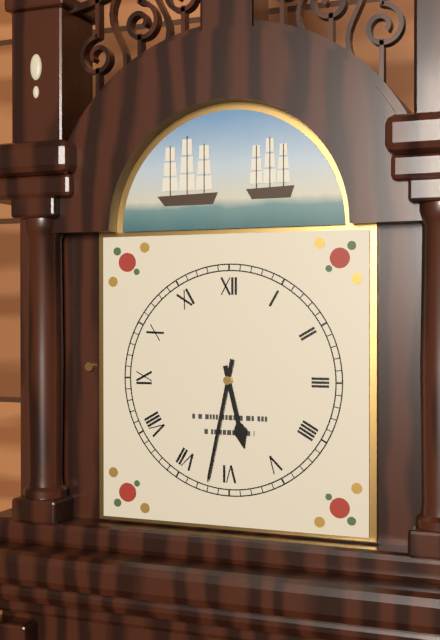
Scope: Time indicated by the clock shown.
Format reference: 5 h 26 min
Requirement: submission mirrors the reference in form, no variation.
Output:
5 h 32 min
